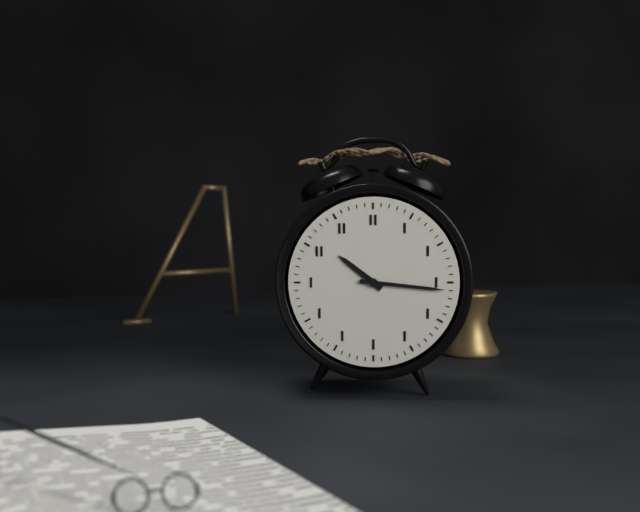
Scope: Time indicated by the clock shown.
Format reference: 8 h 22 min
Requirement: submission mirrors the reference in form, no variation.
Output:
10 h 16 min
